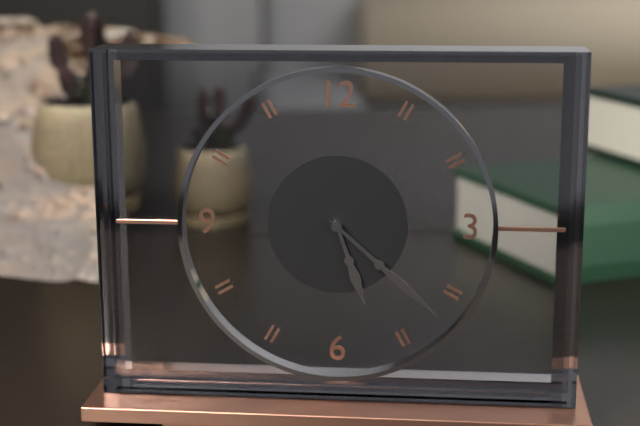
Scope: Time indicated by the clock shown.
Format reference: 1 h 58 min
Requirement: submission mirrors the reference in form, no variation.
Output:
5 h 22 min
